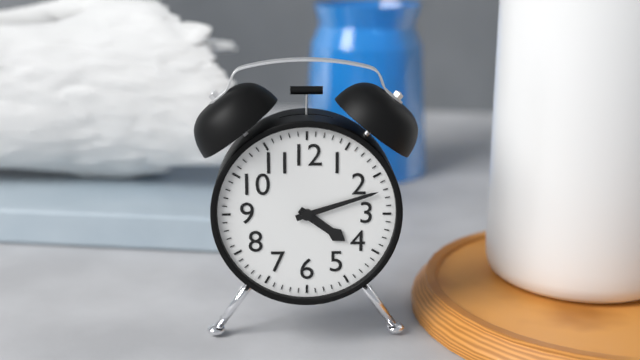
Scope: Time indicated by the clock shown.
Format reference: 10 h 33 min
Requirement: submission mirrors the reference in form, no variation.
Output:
4 h 12 min
